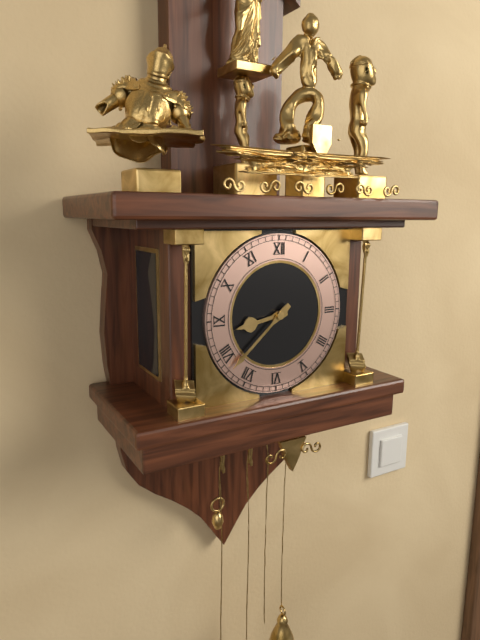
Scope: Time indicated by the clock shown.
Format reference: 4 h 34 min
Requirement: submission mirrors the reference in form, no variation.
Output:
8 h 38 min
